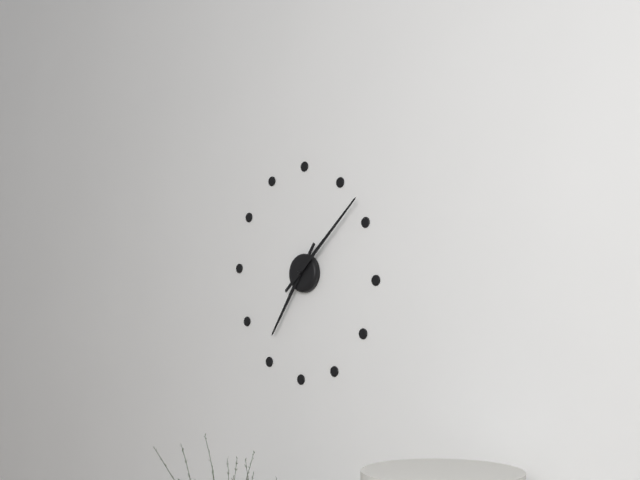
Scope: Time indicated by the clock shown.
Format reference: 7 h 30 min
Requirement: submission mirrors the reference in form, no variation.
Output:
7 h 08 min
